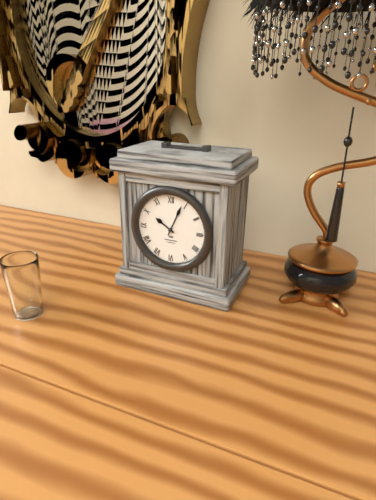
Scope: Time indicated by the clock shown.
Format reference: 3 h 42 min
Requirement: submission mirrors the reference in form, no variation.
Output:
10 h 04 min
